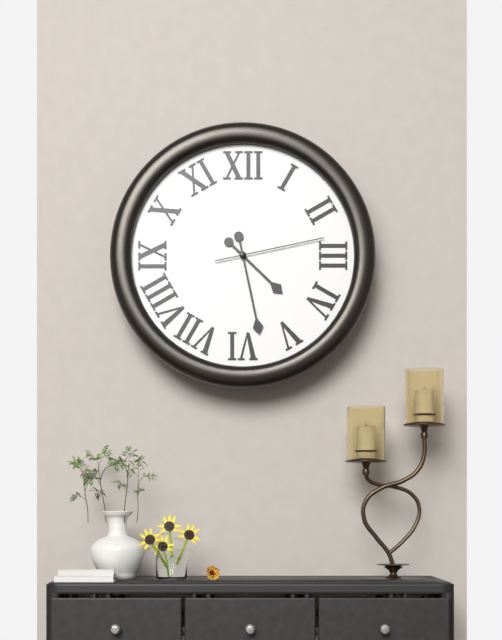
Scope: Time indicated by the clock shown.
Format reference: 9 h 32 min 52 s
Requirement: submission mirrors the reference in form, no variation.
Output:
4 h 28 min 13 s
